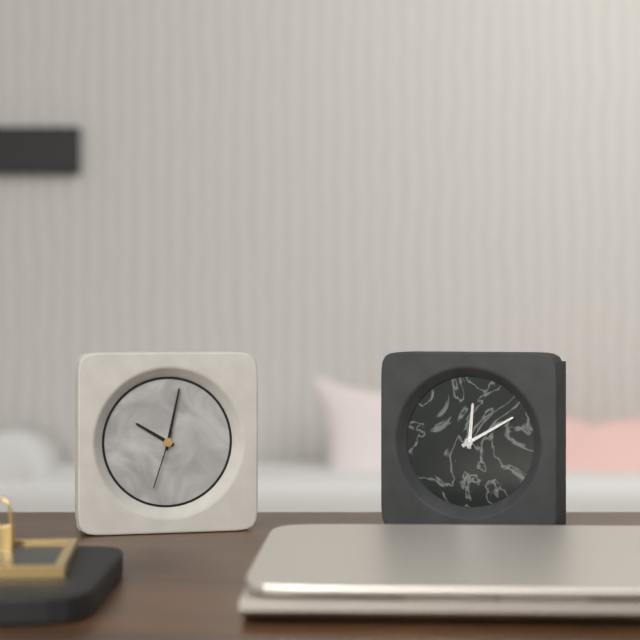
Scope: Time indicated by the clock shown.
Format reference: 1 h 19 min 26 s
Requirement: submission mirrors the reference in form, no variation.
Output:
10 h 02 min 33 s
